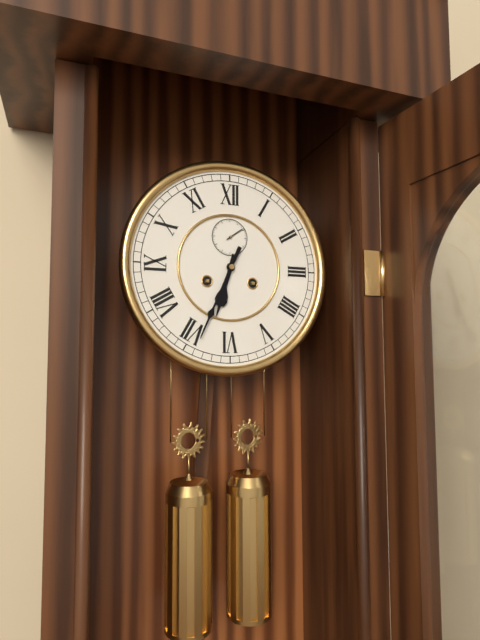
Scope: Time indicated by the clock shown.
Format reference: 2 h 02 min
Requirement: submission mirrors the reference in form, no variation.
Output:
6 h 34 min
